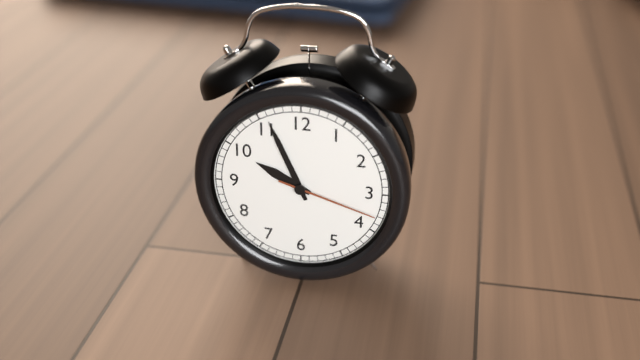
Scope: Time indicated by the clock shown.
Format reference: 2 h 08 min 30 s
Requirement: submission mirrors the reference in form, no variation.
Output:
9 h 56 min 18 s
